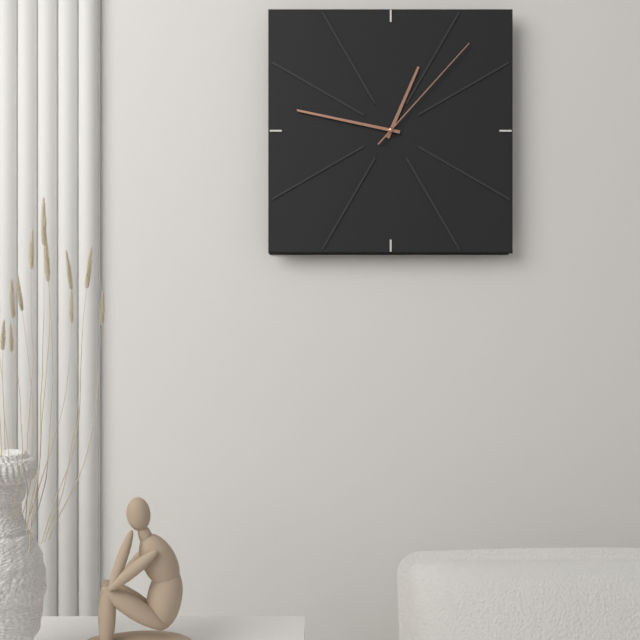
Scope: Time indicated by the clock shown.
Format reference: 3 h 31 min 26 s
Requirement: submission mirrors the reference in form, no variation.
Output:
12 h 47 min 07 s
